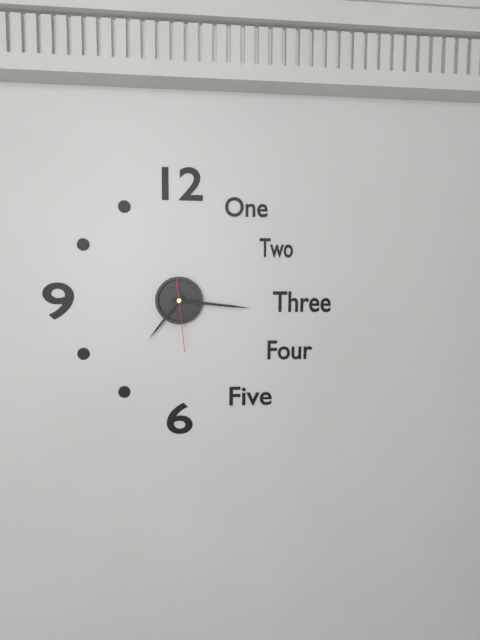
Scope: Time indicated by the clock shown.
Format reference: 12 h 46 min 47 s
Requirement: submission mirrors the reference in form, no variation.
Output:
7 h 16 min 29 s
